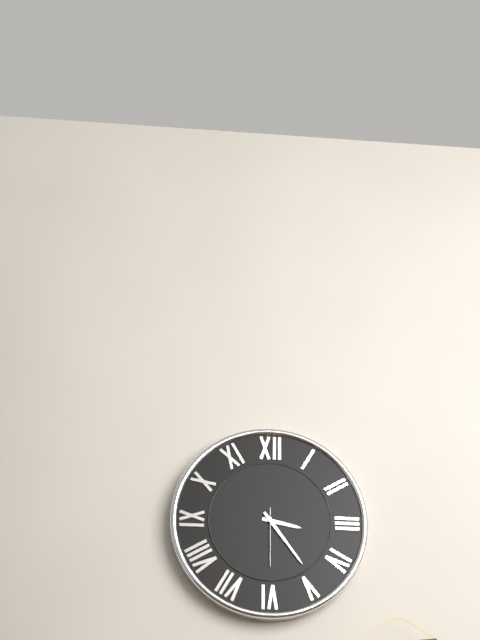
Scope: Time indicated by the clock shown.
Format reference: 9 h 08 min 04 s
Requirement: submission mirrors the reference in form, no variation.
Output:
3 h 24 min 30 s
